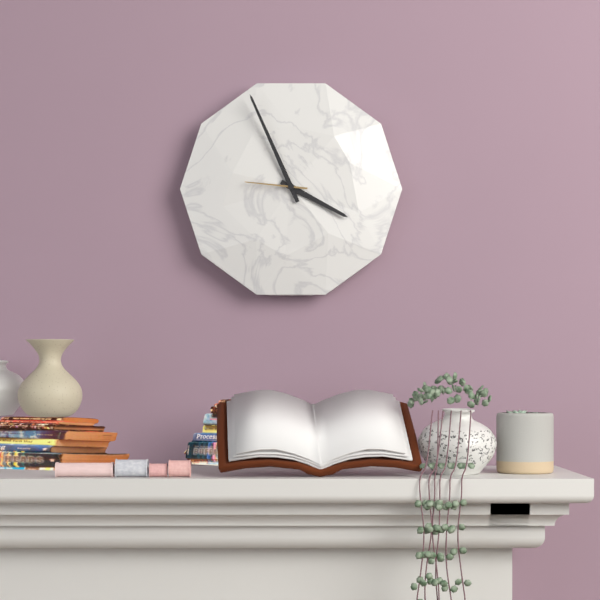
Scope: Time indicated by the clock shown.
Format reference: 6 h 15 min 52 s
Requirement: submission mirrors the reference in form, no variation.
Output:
3 h 56 min 46 s
